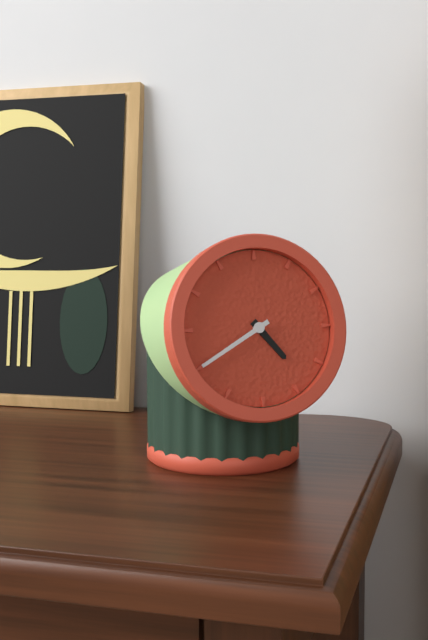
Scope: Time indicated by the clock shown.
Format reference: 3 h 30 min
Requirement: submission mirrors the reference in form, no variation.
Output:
4 h 40 min
